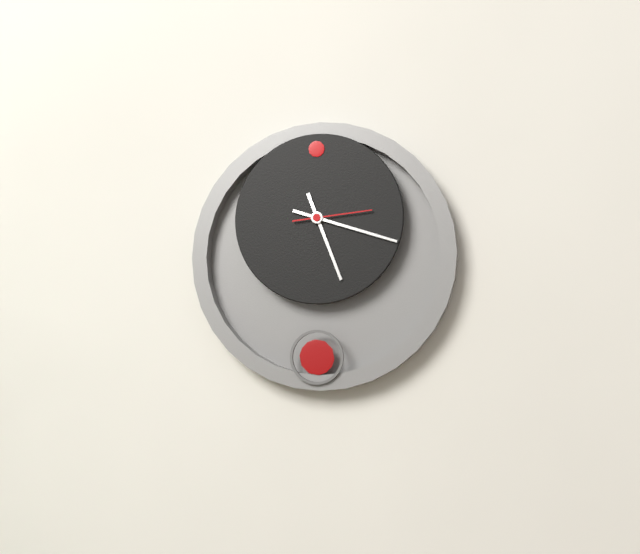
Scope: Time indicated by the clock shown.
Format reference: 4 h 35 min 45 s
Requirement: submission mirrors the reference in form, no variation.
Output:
5 h 18 min 14 s
